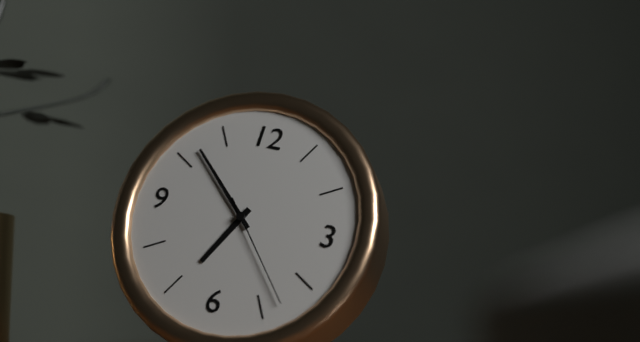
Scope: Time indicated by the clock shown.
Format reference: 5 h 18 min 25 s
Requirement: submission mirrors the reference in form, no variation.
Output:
6 h 52 min 23 s
